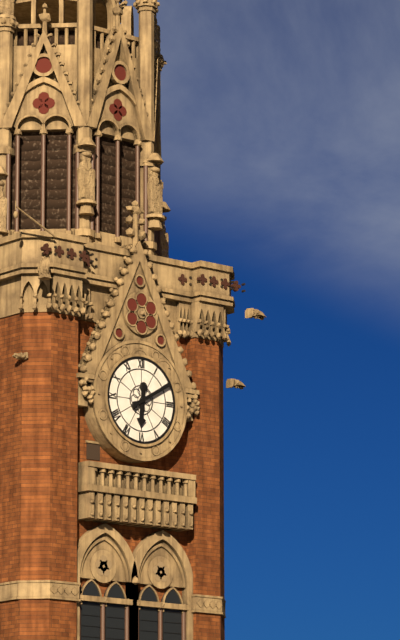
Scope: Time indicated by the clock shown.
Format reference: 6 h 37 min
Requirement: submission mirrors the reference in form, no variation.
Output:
6 h 10 min
